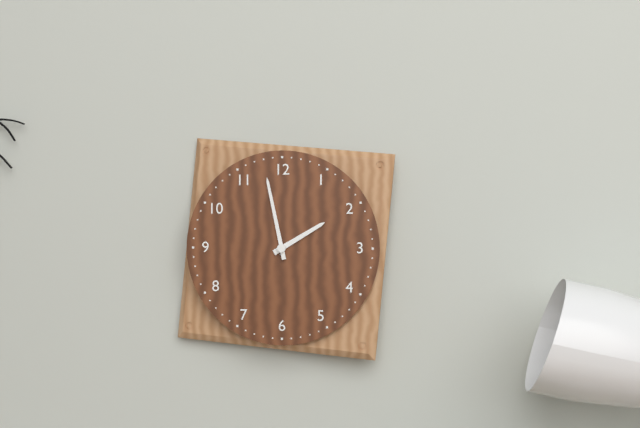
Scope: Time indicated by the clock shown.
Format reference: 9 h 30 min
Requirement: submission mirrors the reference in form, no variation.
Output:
1 h 58 min
